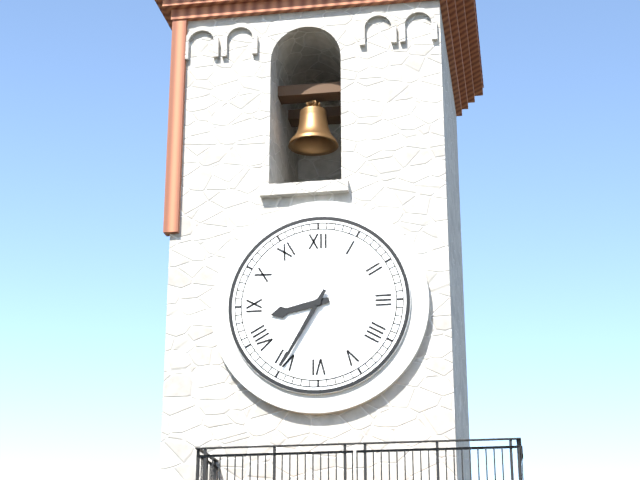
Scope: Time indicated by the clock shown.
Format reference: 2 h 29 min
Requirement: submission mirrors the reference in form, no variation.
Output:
8 h 35 min
